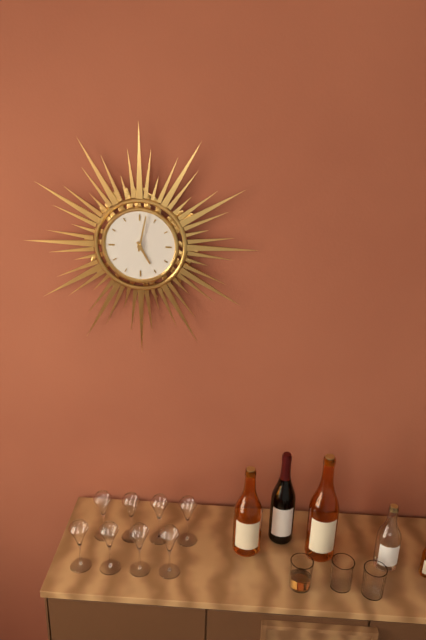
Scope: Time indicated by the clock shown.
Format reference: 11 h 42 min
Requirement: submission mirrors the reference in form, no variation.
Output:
5 h 02 min
